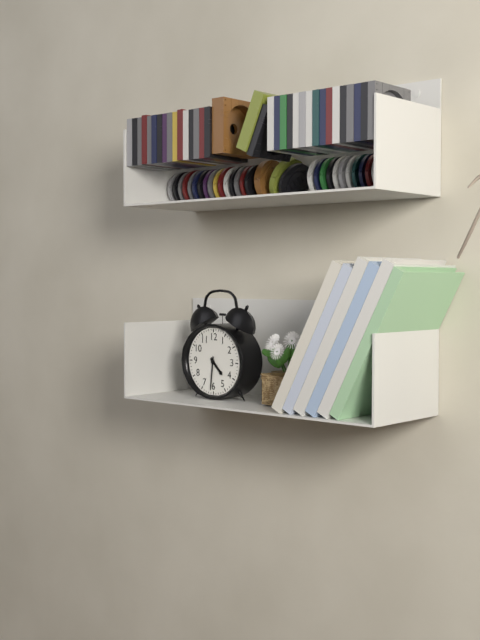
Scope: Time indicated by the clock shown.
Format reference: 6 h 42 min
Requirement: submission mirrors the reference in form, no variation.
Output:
4 h 31 min
